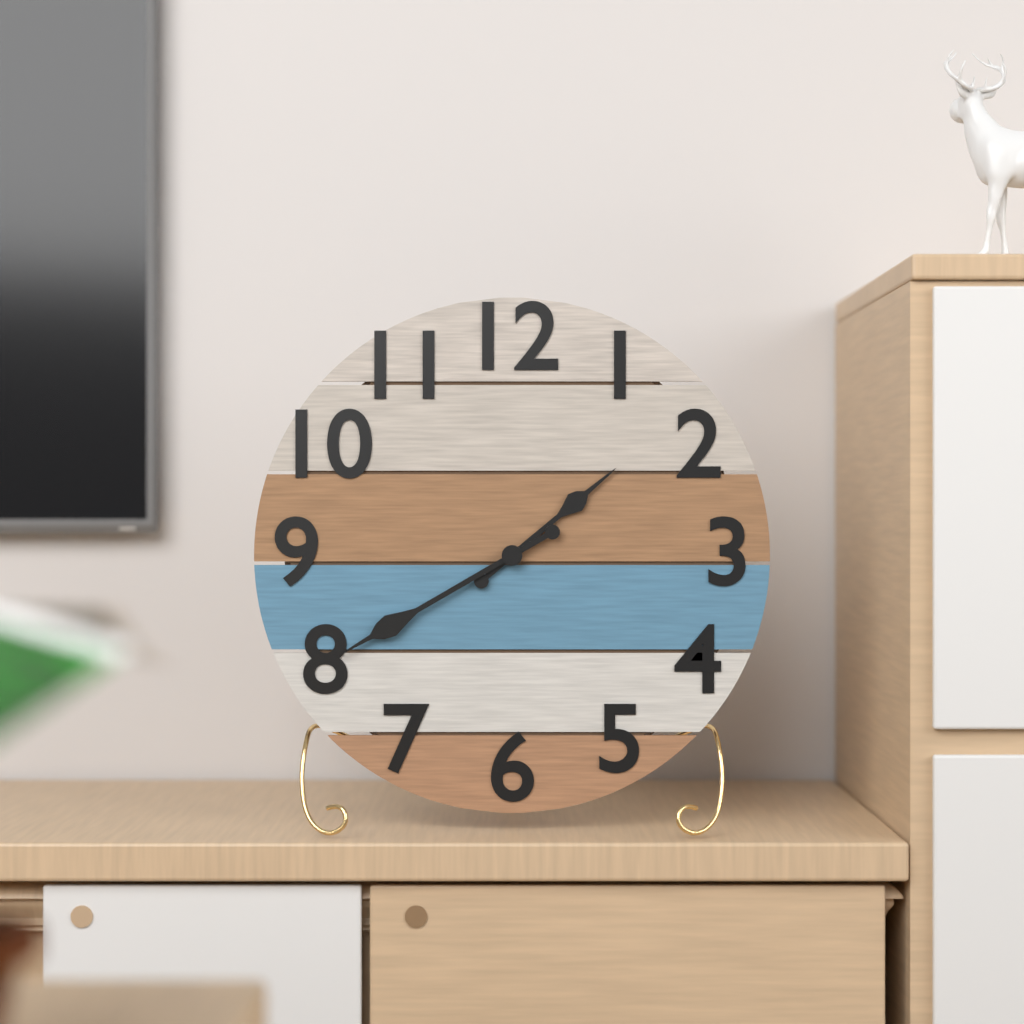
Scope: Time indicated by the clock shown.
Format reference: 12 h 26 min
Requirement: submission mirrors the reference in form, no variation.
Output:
1 h 40 min
